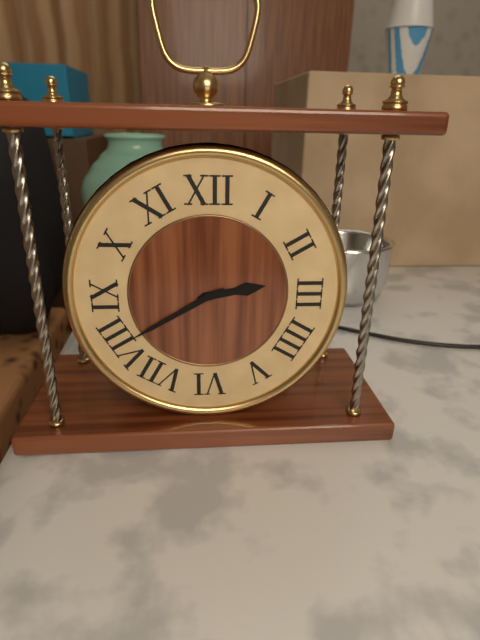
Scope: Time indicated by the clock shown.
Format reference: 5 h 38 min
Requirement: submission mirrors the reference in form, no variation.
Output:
2 h 40 min
